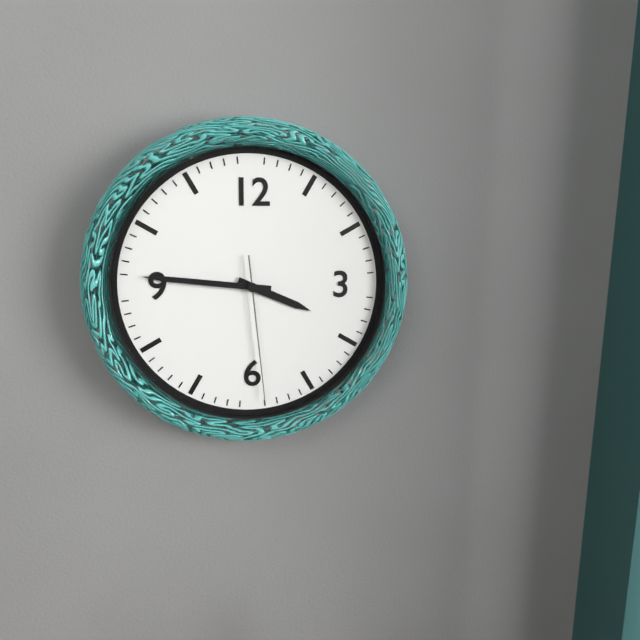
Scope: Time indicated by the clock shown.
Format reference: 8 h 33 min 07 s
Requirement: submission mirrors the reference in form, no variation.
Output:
3 h 46 min 29 s
